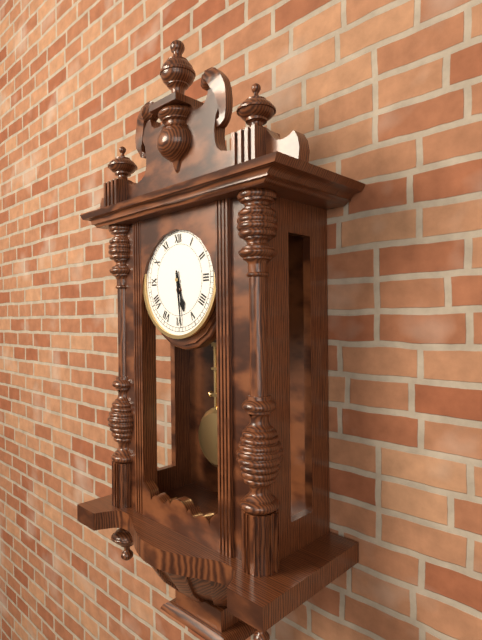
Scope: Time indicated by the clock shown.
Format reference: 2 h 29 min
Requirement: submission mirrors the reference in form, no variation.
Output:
5 h 29 min
